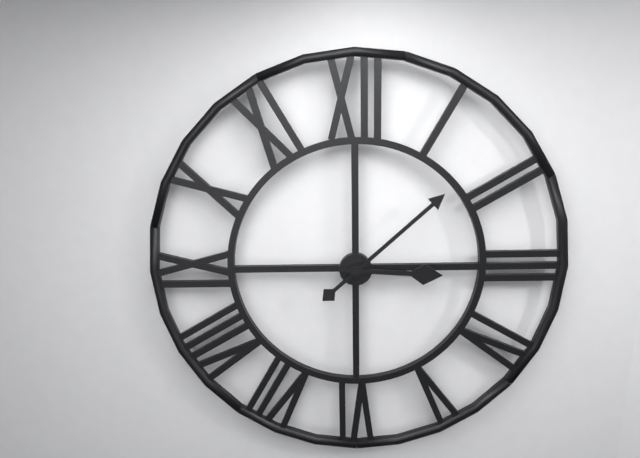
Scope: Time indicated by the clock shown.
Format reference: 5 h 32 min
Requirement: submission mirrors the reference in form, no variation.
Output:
3 h 08 min
